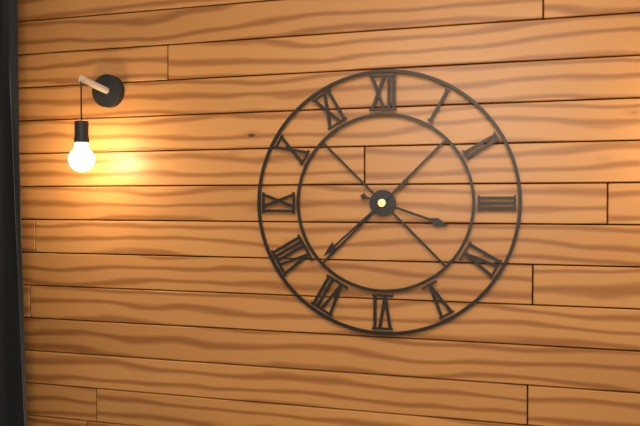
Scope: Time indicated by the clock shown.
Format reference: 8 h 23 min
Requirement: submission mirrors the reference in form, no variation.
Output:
3 h 38 min
